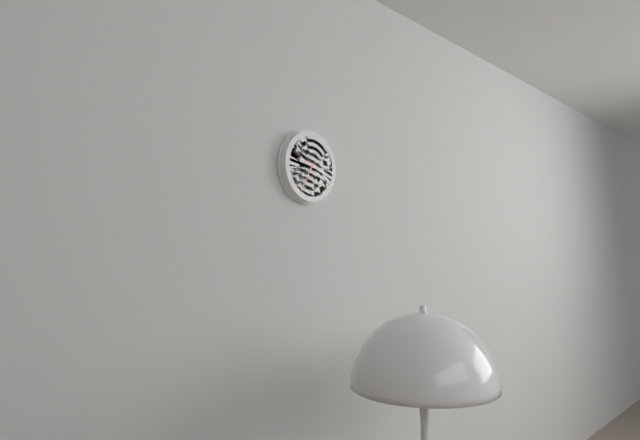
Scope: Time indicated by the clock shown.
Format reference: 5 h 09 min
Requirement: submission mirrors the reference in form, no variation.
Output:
9 h 35 min
